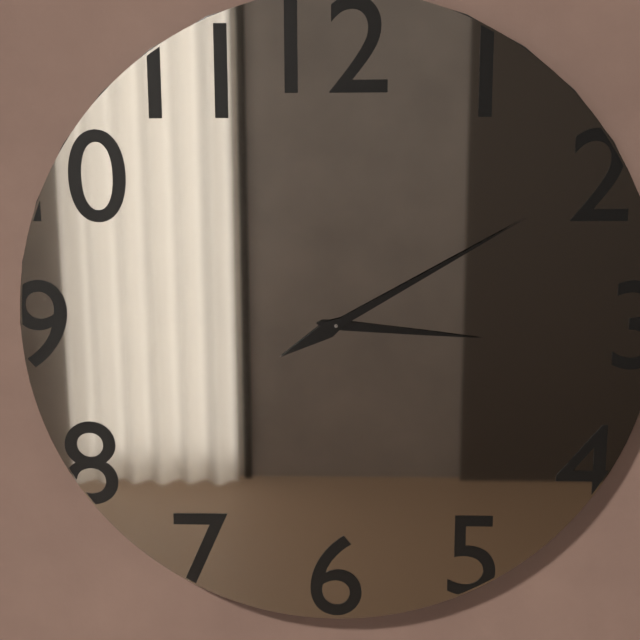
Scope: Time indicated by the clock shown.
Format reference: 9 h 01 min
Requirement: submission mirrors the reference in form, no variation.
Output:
3 h 10 min
